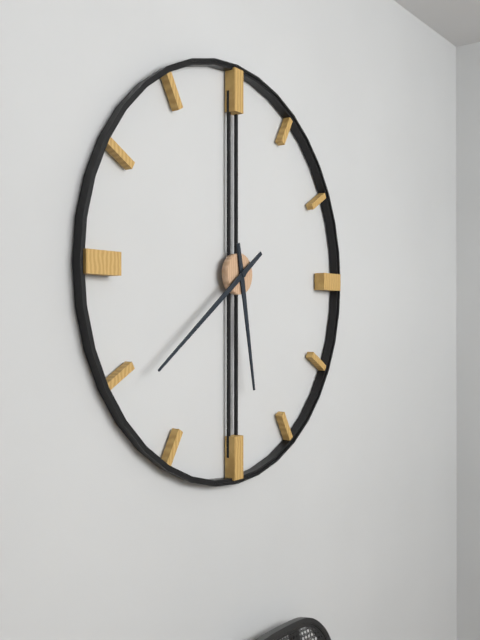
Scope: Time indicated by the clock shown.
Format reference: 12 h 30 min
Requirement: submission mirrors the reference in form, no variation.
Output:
5 h 39 min
